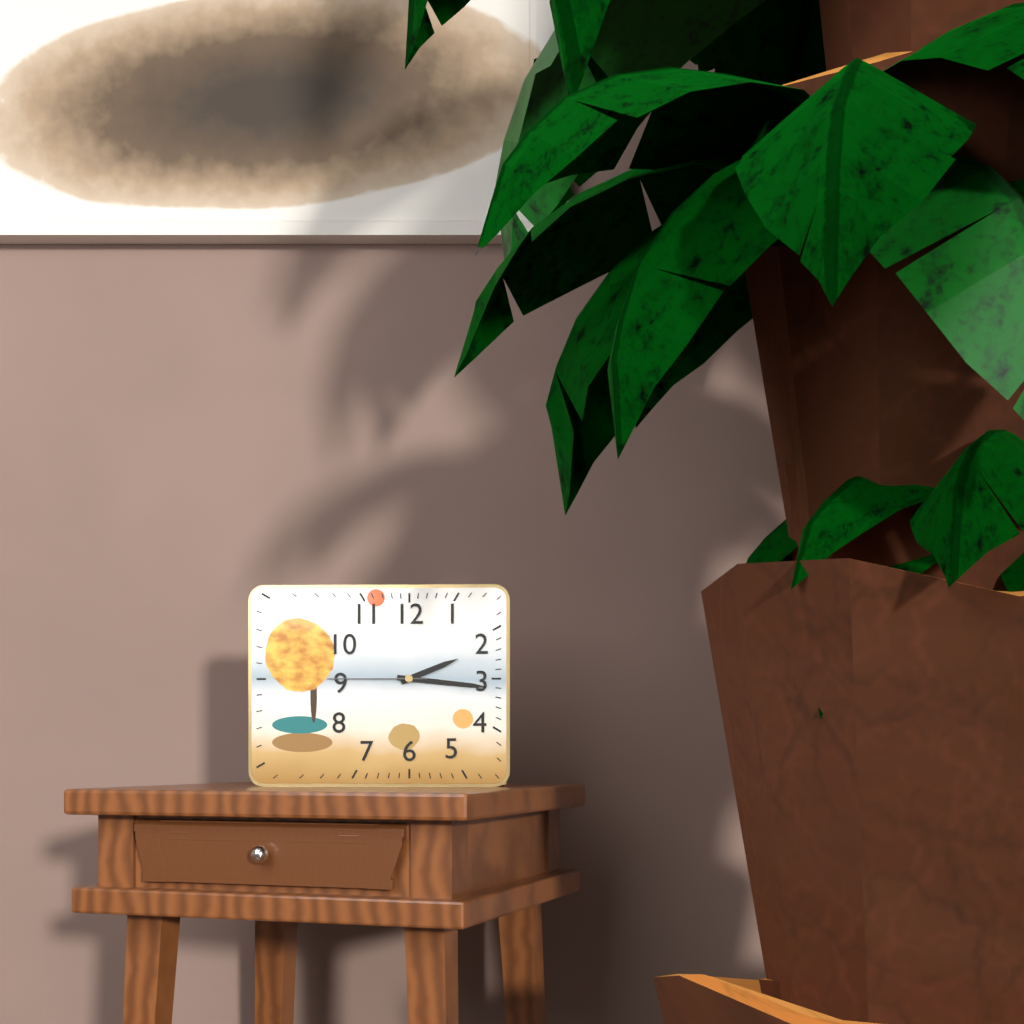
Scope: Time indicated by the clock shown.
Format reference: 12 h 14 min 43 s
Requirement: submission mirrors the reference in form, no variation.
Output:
2 h 16 min 45 s
